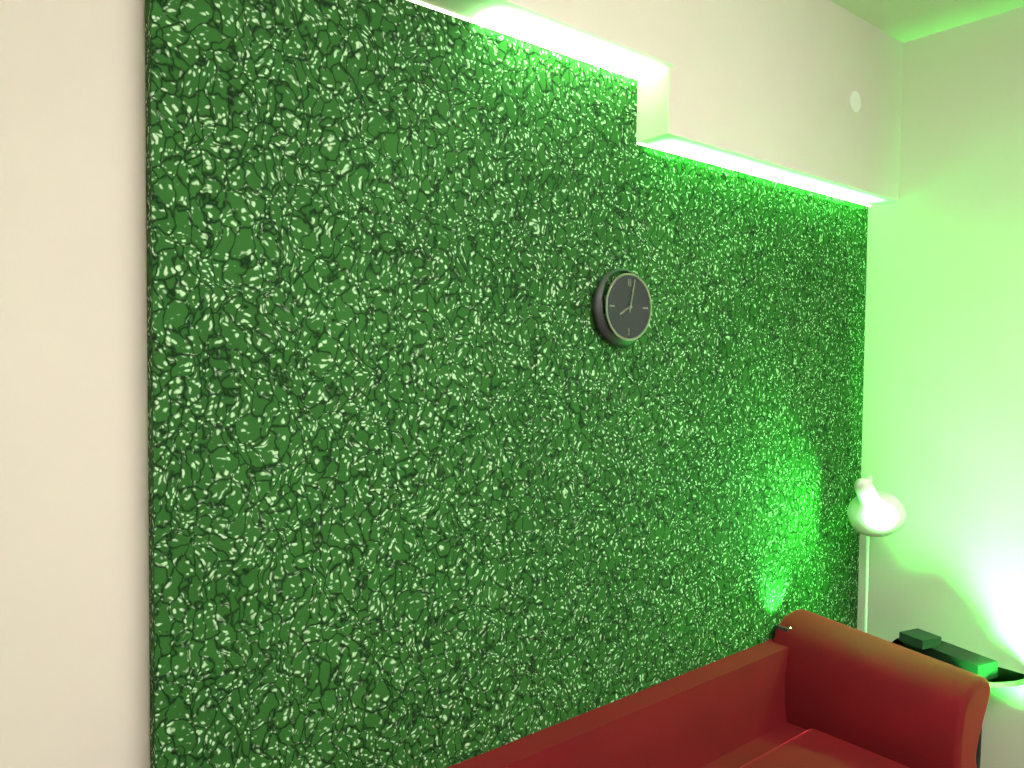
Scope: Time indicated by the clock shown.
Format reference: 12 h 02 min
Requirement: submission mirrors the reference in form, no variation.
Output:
8 h 02 min
